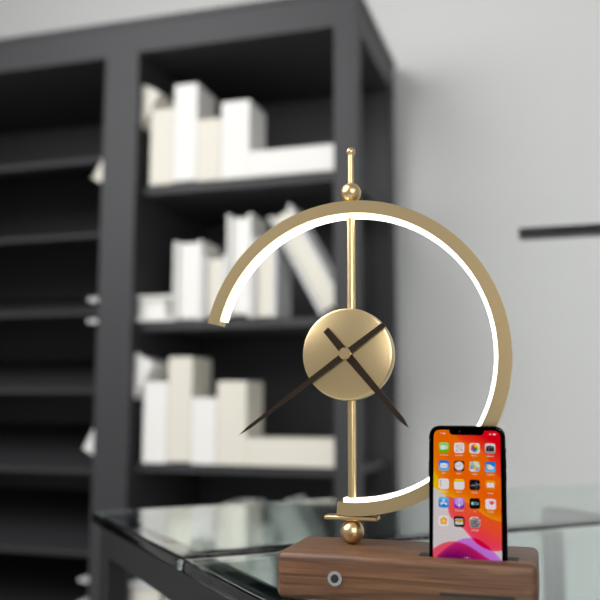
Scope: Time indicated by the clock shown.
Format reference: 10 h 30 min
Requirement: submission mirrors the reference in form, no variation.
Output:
4 h 39 min
